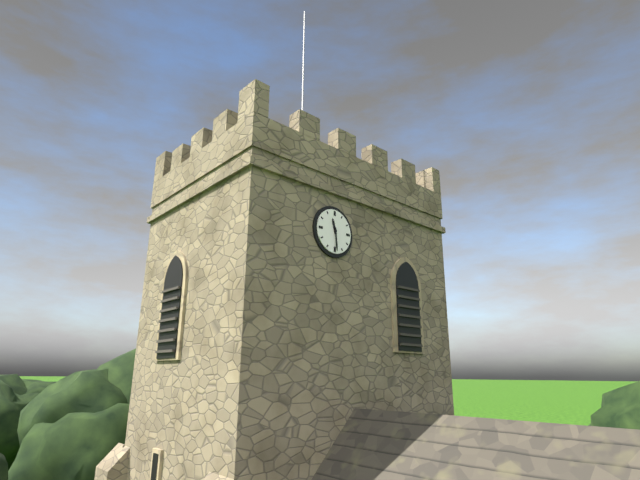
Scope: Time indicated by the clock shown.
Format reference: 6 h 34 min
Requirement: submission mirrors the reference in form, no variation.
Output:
11 h 29 min
